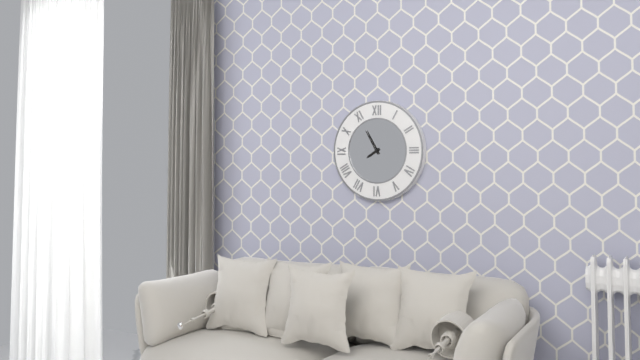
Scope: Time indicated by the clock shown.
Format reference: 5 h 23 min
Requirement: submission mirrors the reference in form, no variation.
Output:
7 h 55 min
